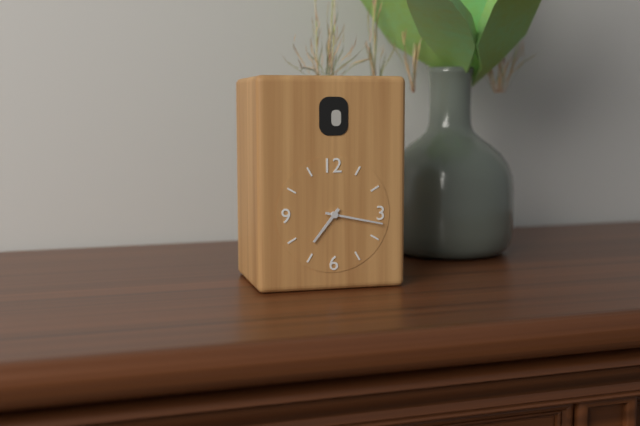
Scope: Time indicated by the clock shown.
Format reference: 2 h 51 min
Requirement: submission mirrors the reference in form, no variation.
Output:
7 h 17 min
